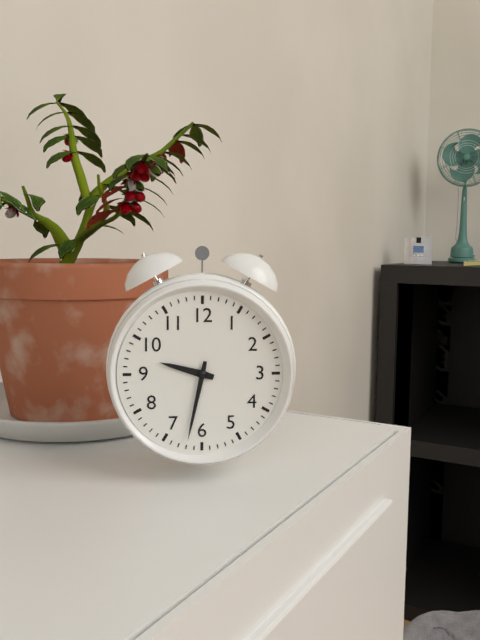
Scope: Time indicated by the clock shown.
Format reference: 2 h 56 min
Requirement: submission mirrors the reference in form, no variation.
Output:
9 h 32 min
